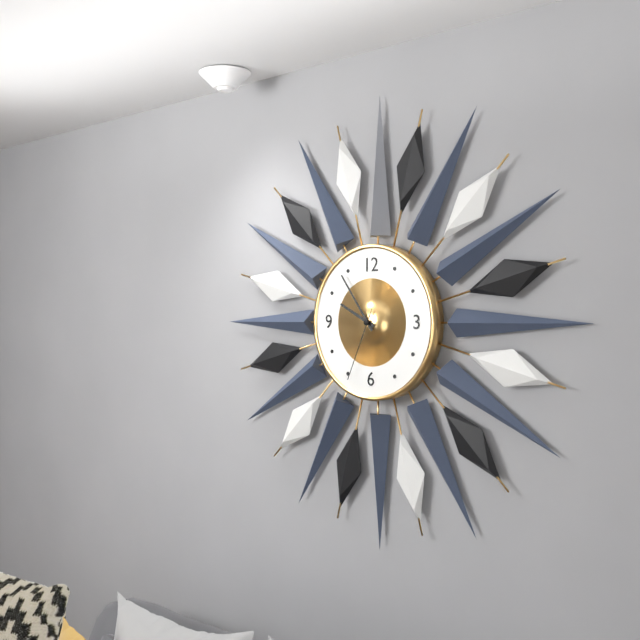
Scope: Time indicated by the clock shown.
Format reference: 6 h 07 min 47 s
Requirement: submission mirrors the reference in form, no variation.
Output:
9 h 54 min 34 s
